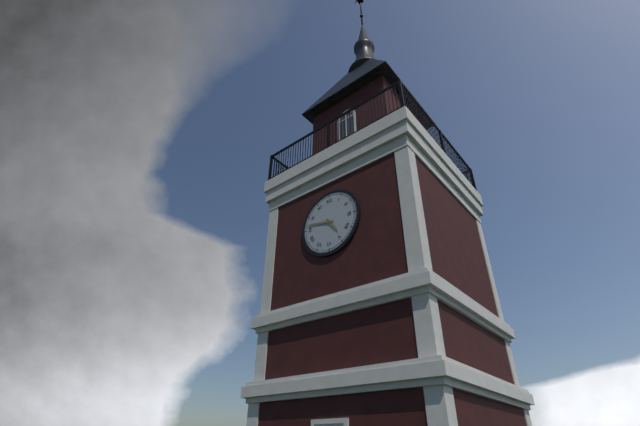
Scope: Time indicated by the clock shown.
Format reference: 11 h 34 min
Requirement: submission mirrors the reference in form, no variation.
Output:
4 h 47 min
